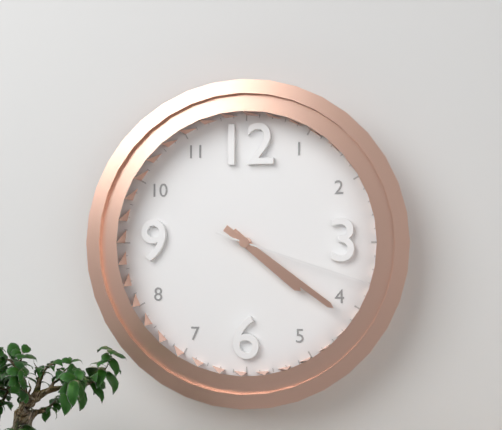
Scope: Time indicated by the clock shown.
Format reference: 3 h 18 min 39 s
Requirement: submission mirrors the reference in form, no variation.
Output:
4 h 21 min 18 s
